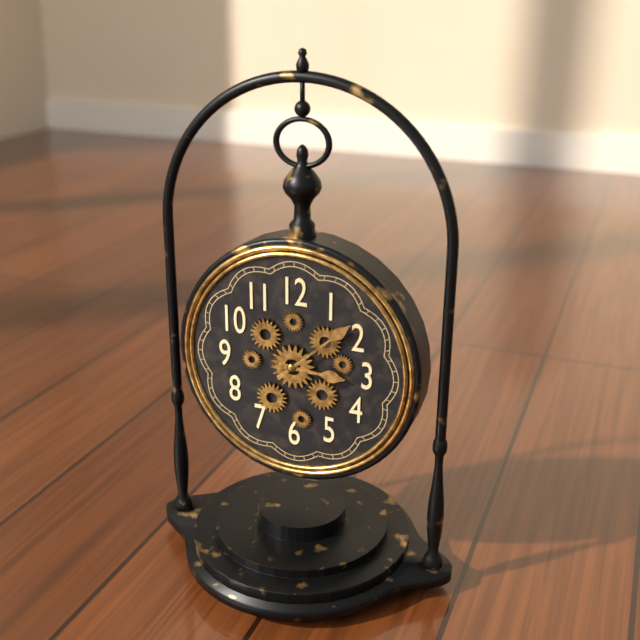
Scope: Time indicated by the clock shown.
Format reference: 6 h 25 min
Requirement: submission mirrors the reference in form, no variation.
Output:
3 h 08 min
